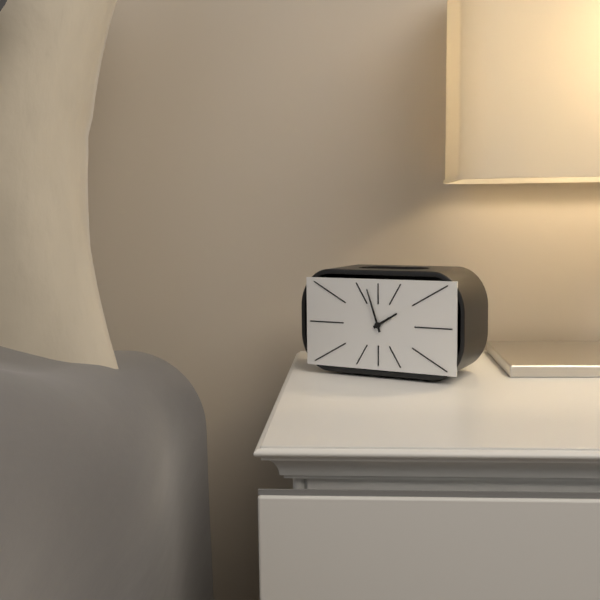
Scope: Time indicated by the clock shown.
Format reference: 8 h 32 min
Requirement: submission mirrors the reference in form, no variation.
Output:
1 h 57 min
